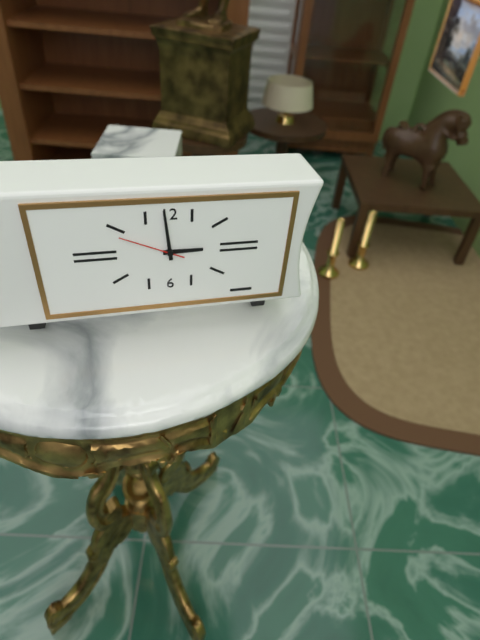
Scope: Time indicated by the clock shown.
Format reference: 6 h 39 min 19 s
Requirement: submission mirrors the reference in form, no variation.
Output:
2 h 59 min 49 s
